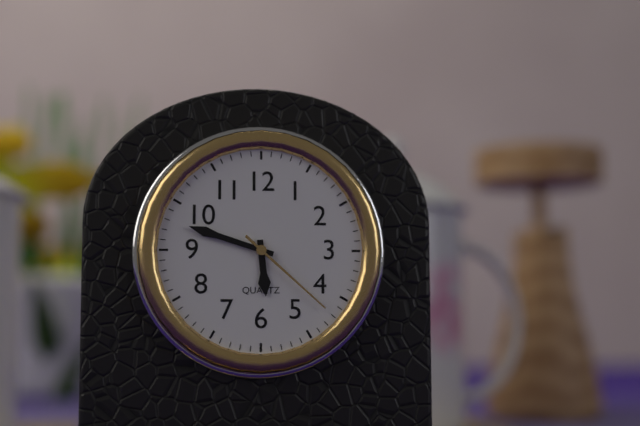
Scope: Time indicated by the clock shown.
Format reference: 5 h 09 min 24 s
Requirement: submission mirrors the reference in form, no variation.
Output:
5 h 48 min 22 s
